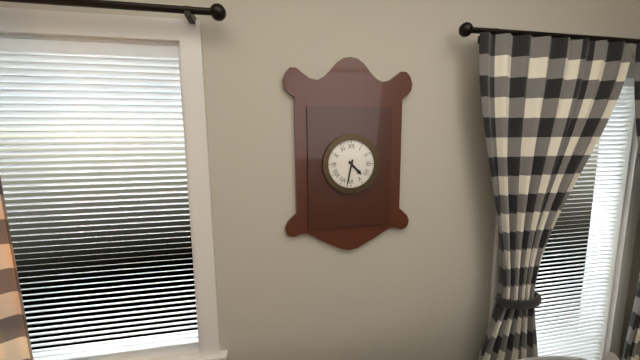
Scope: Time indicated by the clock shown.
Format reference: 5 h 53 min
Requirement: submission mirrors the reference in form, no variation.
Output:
4 h 32 min
